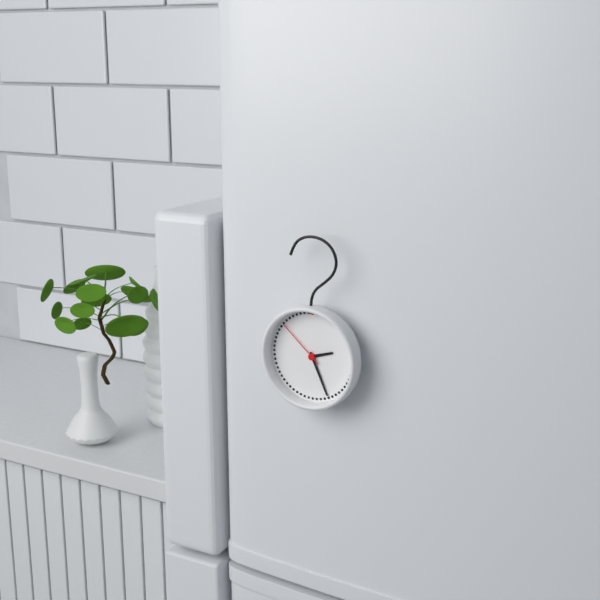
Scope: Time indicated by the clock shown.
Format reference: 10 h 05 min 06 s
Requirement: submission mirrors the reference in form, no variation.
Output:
2 h 26 min 52 s
